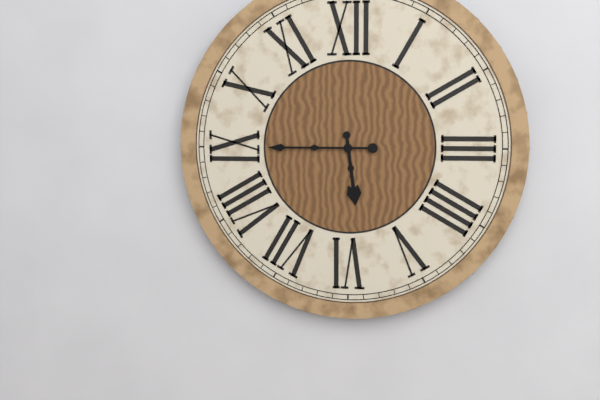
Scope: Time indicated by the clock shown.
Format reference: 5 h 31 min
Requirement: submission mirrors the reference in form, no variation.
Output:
5 h 45 min
